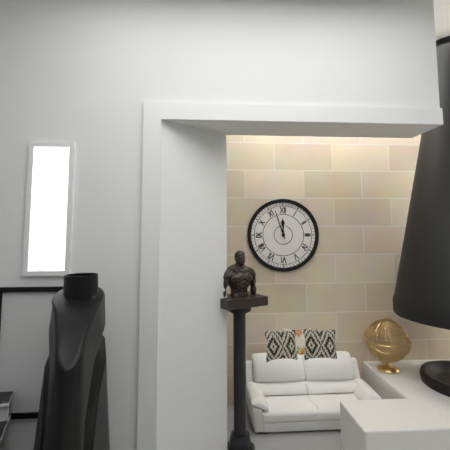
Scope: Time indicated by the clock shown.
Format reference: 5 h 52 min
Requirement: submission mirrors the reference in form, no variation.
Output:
11 h 57 min
